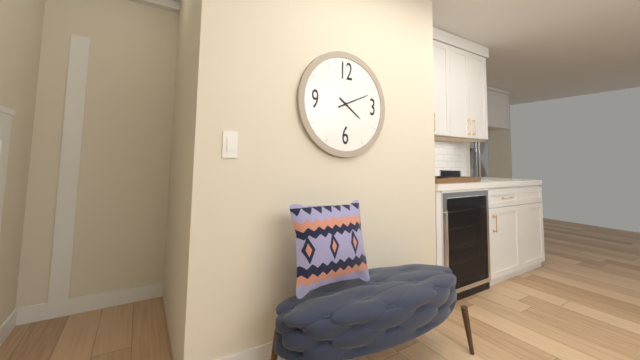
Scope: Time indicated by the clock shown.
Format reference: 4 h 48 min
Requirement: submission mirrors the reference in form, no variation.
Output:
4 h 11 min
